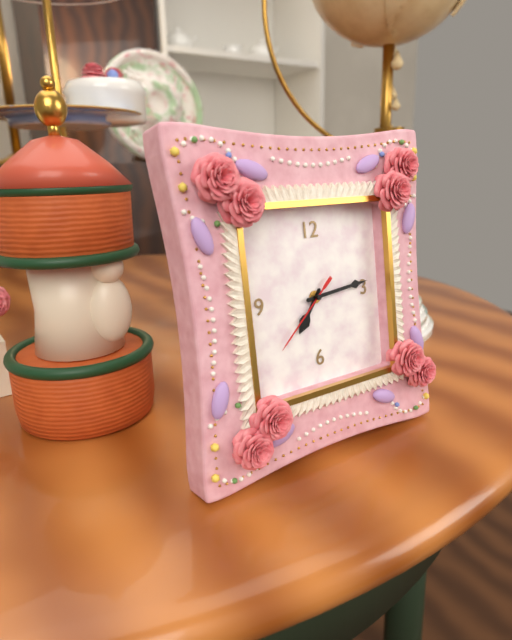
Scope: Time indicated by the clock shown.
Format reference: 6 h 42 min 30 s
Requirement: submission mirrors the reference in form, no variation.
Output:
7 h 14 min 38 s
